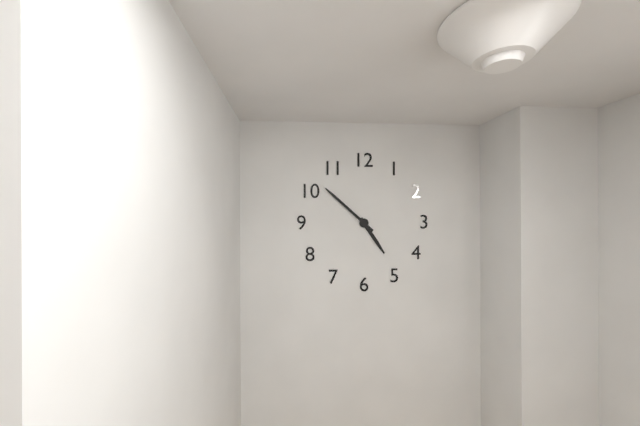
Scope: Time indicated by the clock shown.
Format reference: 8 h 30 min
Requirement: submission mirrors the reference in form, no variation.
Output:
4 h 52 min
